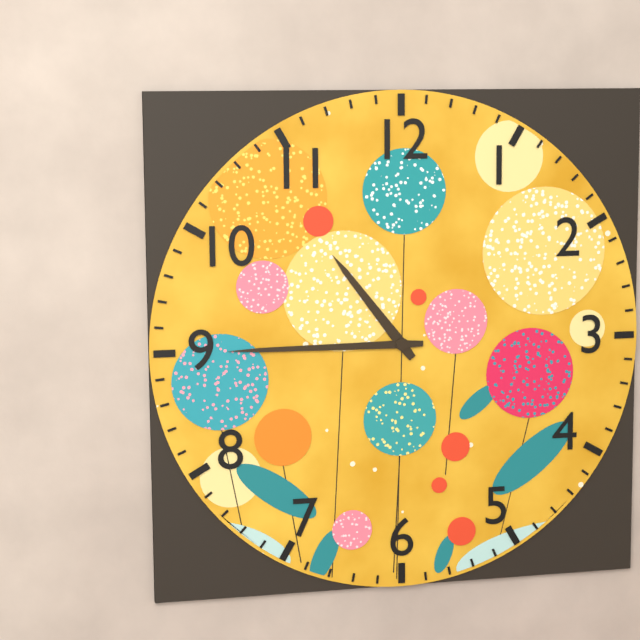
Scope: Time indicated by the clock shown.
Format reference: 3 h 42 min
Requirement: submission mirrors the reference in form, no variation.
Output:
10 h 45 min
